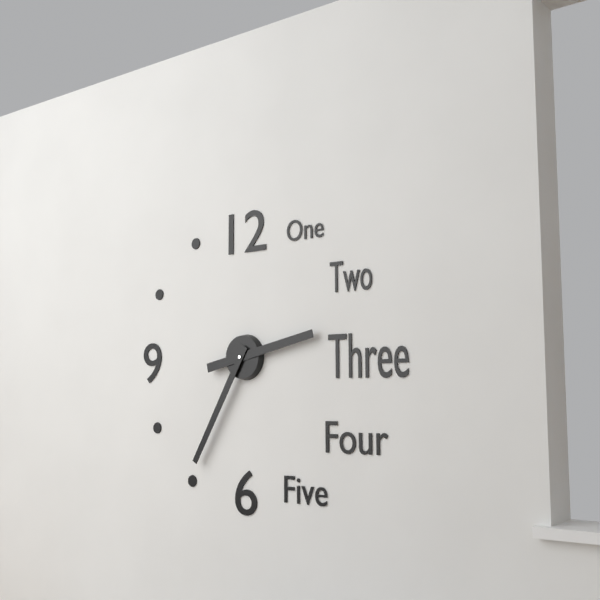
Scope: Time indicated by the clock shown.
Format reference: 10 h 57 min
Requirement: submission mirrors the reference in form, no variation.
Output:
2 h 35 min
